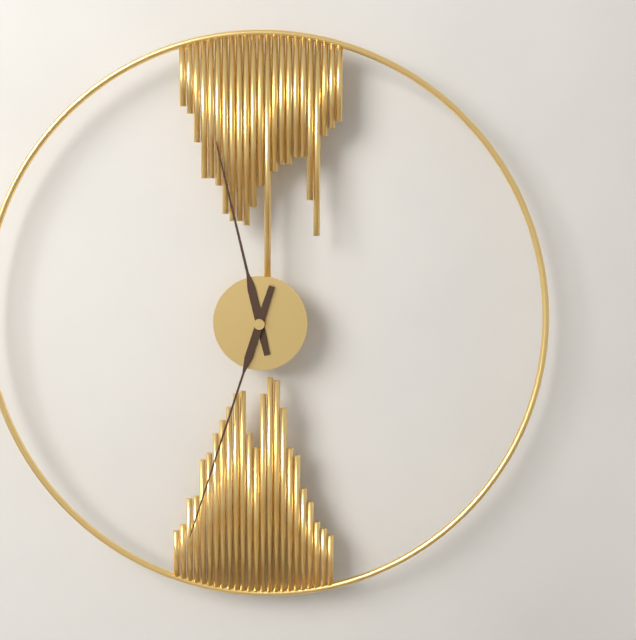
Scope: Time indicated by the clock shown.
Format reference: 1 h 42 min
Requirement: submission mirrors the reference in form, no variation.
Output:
11 h 33 min
